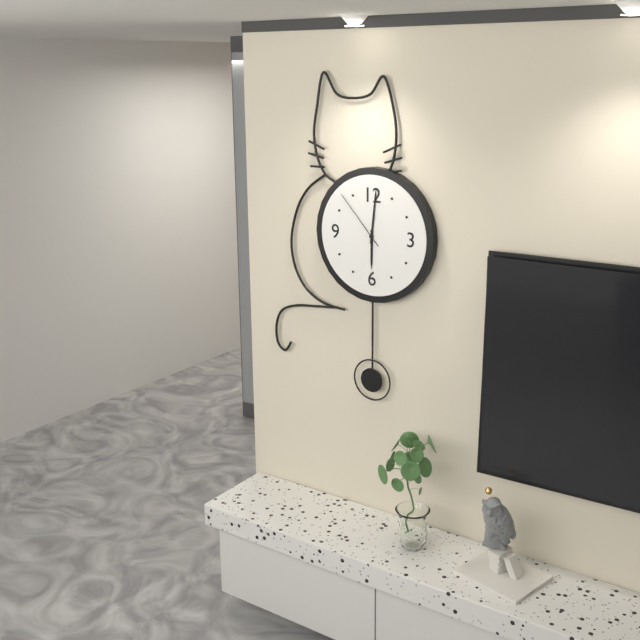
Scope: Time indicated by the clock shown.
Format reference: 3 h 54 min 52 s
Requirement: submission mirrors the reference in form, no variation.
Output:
6 h 01 min 53 s
